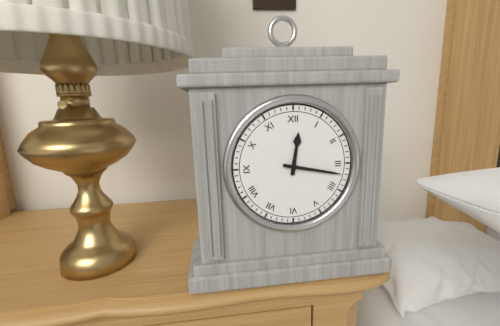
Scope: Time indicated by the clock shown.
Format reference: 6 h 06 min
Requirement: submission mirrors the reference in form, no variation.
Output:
12 h 17 min
